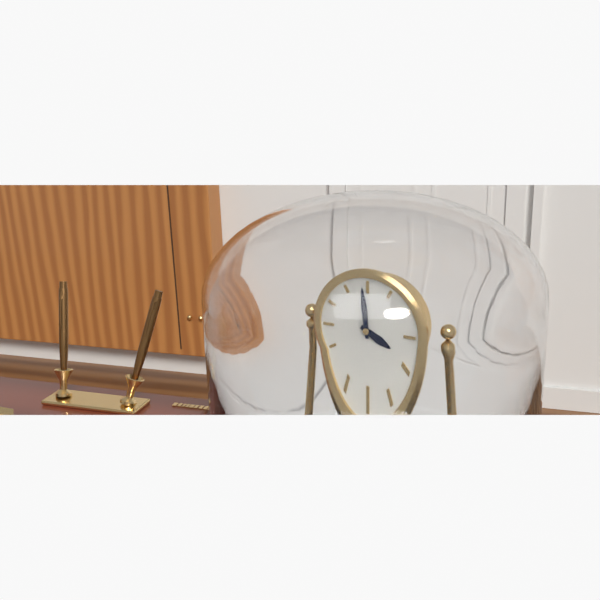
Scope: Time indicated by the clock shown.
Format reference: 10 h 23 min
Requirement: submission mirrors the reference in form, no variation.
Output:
3 h 59 min
